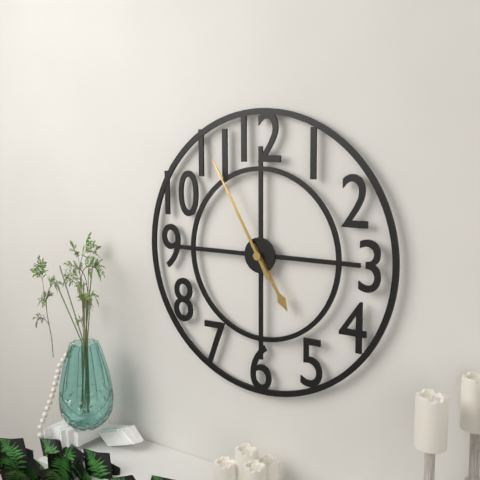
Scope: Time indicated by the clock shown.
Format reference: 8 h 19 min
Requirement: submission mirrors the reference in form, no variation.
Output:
4 h 55 min
